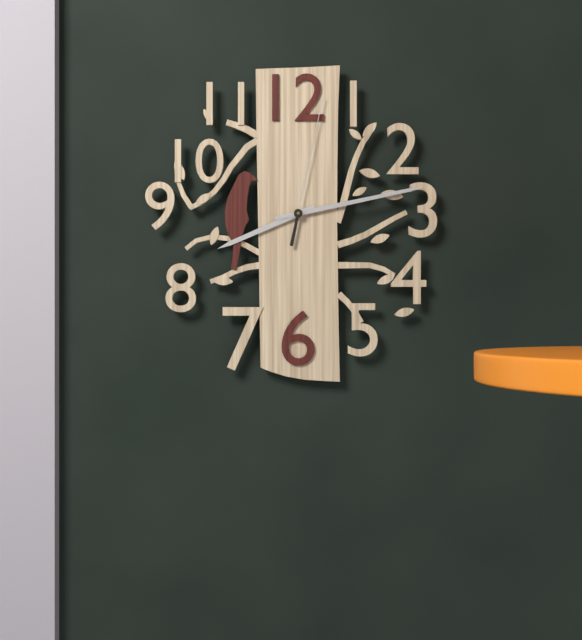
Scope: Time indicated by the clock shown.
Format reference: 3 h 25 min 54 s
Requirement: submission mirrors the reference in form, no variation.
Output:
8 h 13 min 02 s
